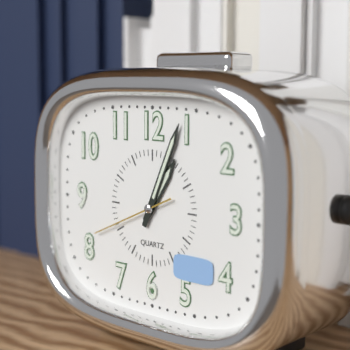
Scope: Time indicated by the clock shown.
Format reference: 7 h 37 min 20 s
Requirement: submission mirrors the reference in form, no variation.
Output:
1 h 04 min 41 s
